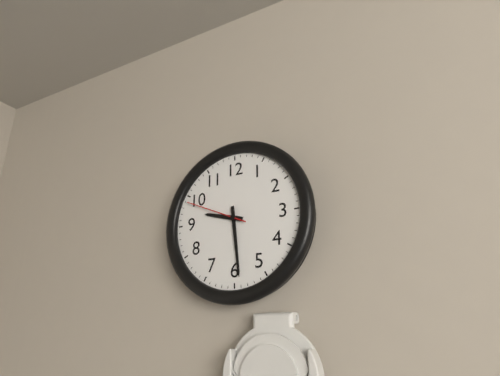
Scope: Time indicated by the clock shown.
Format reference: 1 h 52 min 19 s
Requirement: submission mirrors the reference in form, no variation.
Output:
9 h 29 min 49 s
